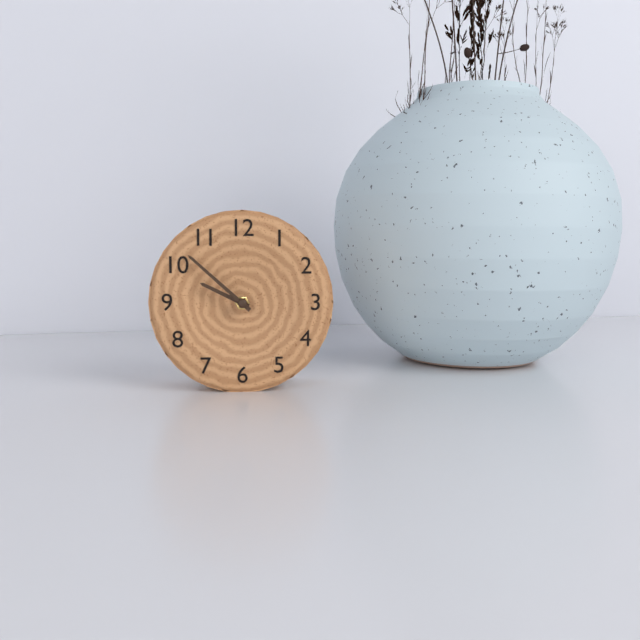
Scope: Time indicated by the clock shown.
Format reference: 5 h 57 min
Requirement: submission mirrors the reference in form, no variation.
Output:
9 h 52 min
